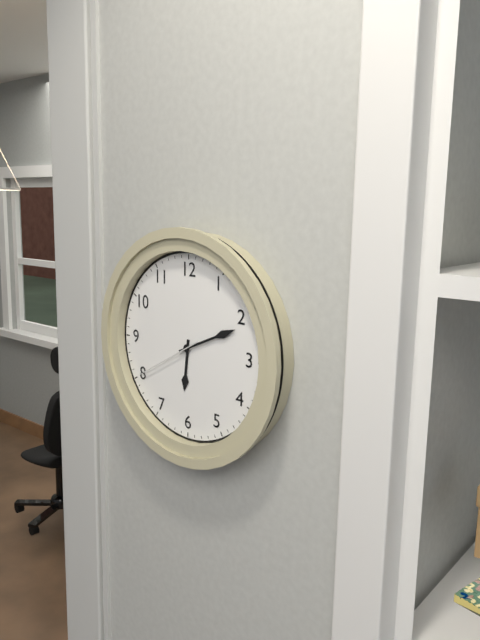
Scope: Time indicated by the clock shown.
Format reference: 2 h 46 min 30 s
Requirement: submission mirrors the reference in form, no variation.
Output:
6 h 11 min 40 s
